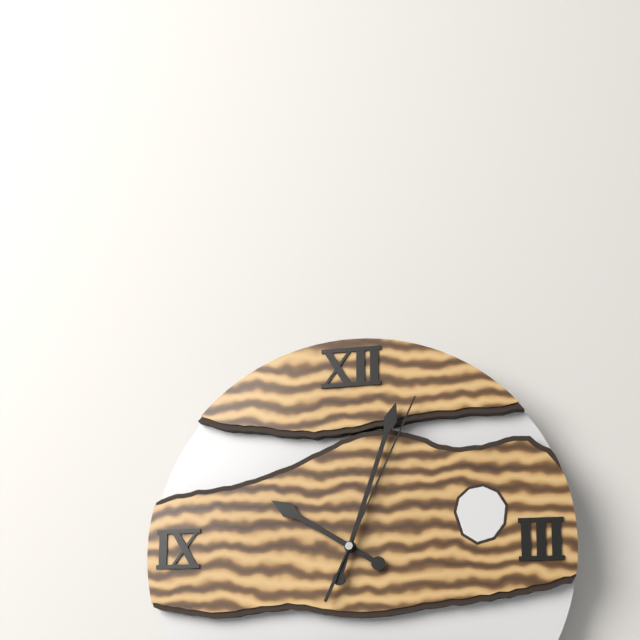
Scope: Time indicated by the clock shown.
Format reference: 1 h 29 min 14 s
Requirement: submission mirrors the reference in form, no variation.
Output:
10 h 03 min 04 s
